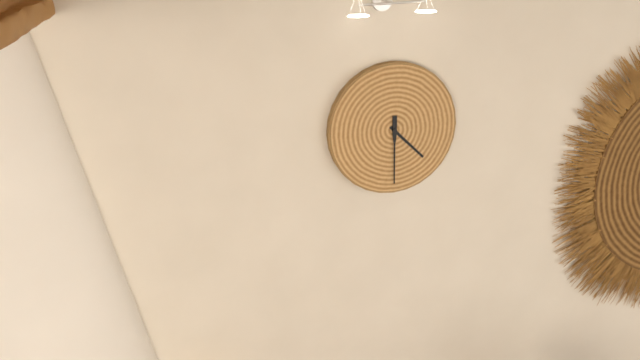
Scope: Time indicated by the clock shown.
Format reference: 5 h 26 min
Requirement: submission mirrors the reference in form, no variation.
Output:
4 h 30 min
